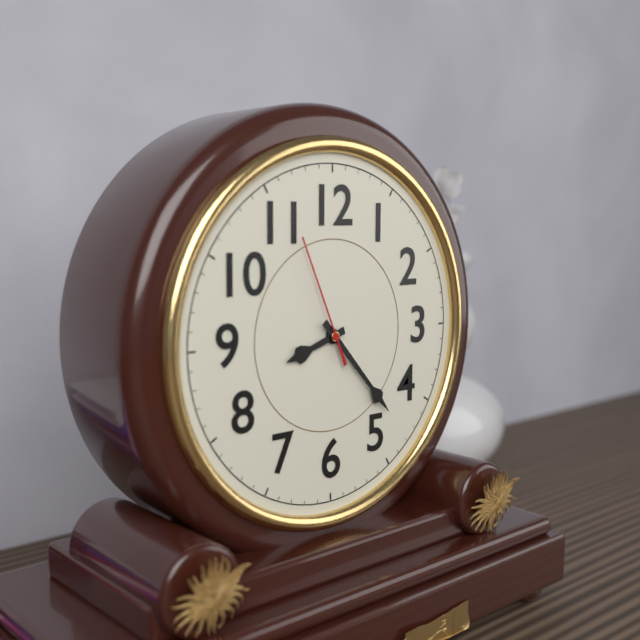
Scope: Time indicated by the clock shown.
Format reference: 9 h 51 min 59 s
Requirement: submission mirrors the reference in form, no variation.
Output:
8 h 23 min 56 s
